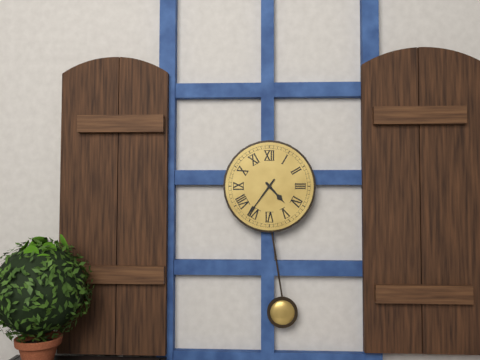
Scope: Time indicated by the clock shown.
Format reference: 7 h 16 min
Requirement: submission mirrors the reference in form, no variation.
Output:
4 h 36 min
